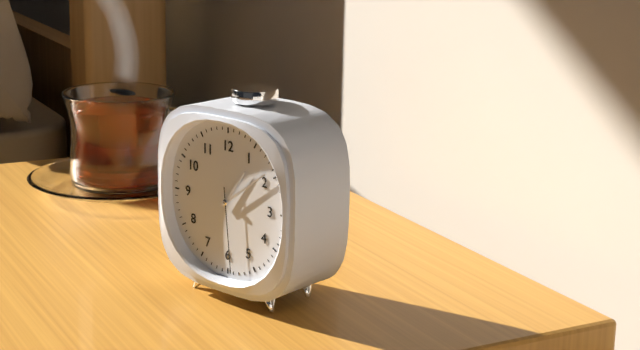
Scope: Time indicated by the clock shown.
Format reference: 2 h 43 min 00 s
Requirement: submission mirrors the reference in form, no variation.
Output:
1 h 09 min 29 s
